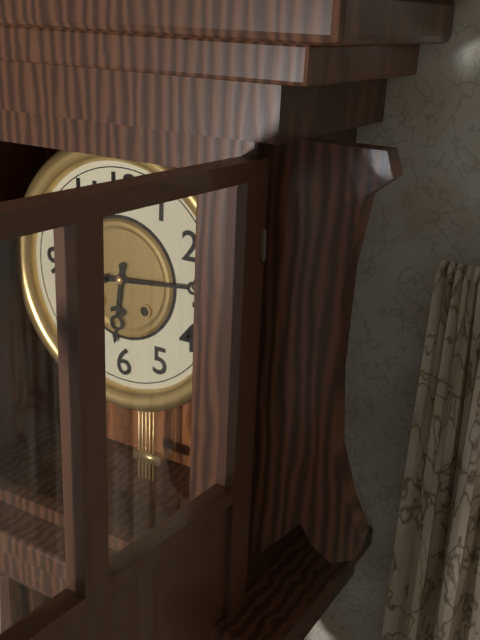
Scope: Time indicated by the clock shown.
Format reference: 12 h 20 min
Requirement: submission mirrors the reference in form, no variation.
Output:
6 h 14 min
